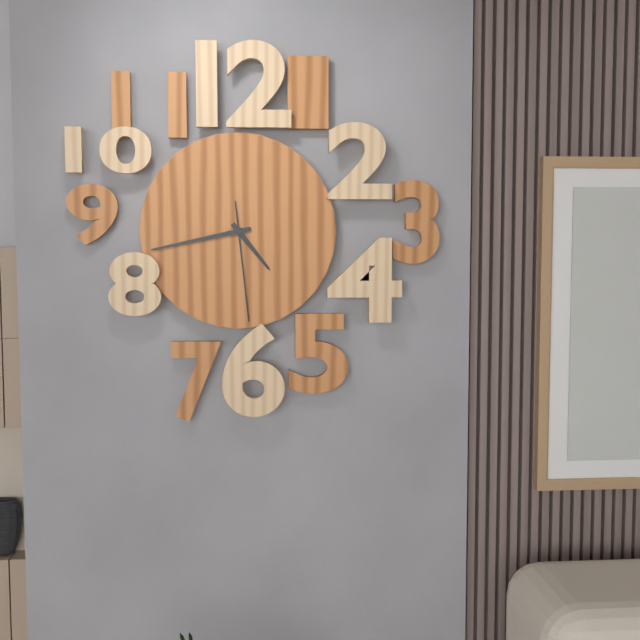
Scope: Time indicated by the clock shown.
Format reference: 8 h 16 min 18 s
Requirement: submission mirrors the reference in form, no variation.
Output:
4 h 43 min 29 s
